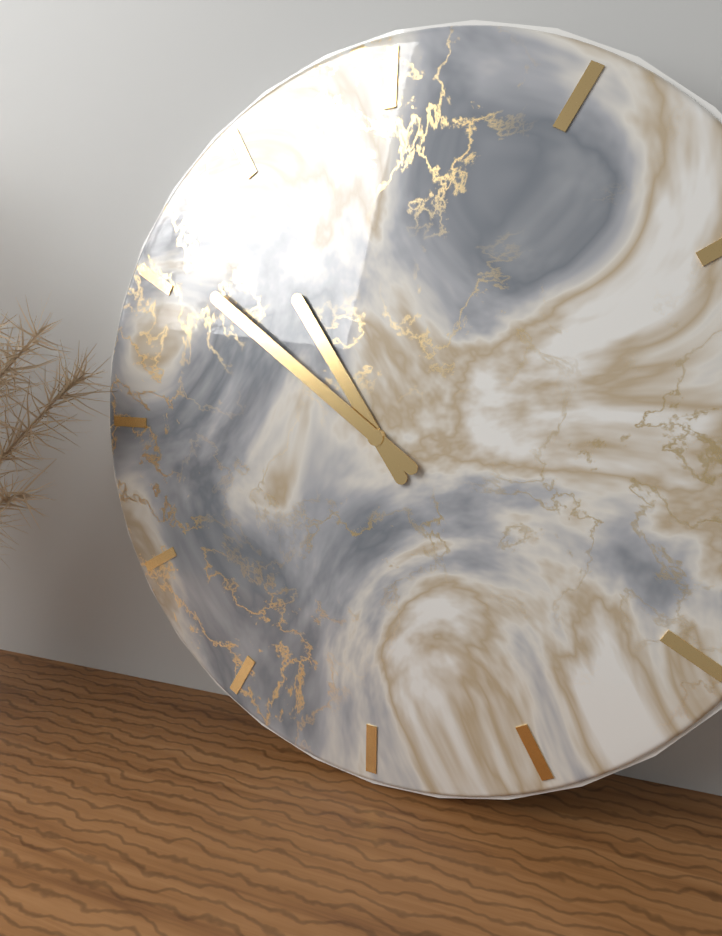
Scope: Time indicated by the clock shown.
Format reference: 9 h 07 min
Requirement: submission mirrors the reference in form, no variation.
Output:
10 h 51 min
